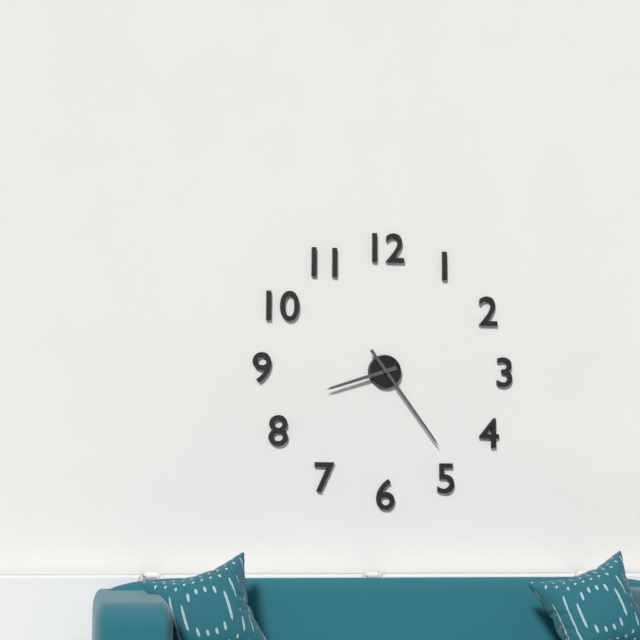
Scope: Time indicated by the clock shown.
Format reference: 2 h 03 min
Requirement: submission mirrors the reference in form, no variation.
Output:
8 h 24 min
